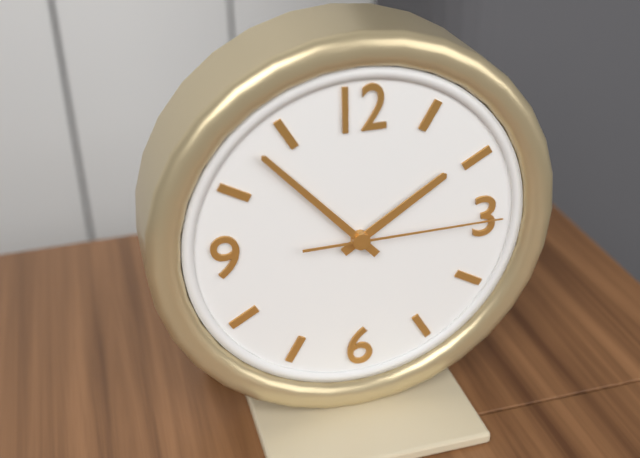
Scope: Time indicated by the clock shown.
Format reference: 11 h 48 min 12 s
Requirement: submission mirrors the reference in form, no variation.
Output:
1 h 53 min 15 s
